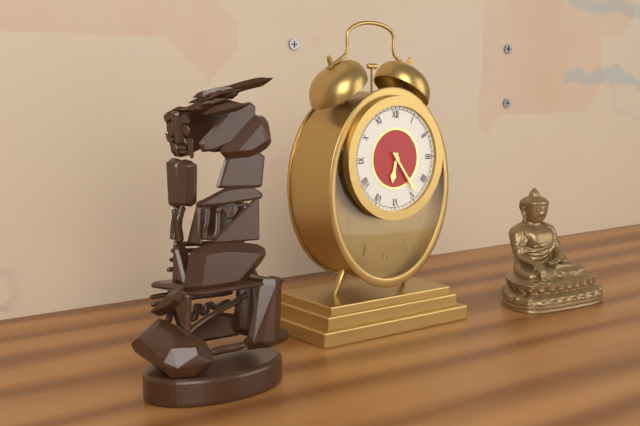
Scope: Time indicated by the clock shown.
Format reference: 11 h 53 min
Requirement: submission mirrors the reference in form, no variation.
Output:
6 h 24 min
